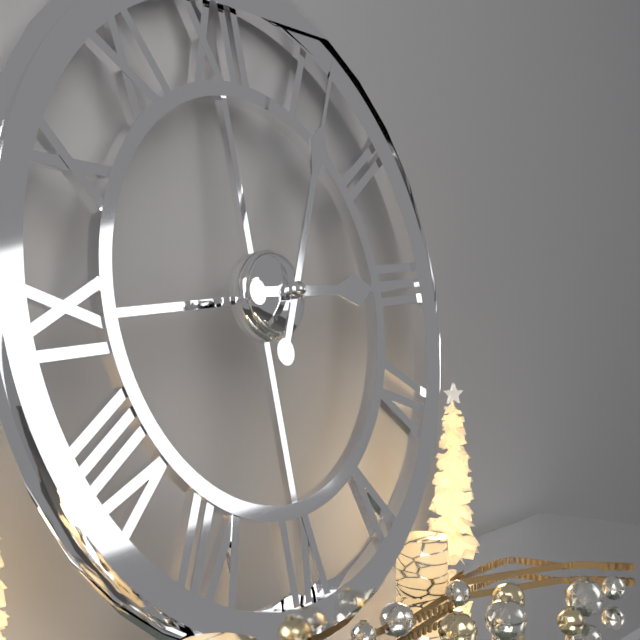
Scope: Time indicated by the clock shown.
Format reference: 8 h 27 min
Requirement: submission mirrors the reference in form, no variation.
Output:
3 h 05 min
